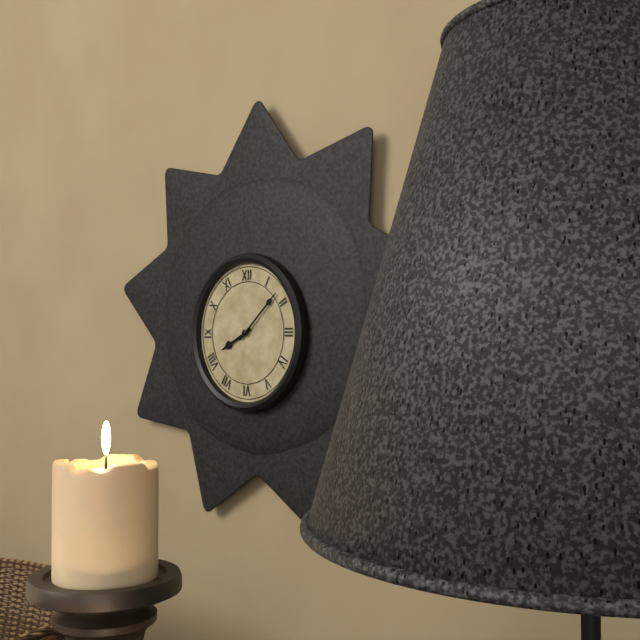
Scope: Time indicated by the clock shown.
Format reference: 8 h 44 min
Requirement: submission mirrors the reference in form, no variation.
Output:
8 h 08 min
